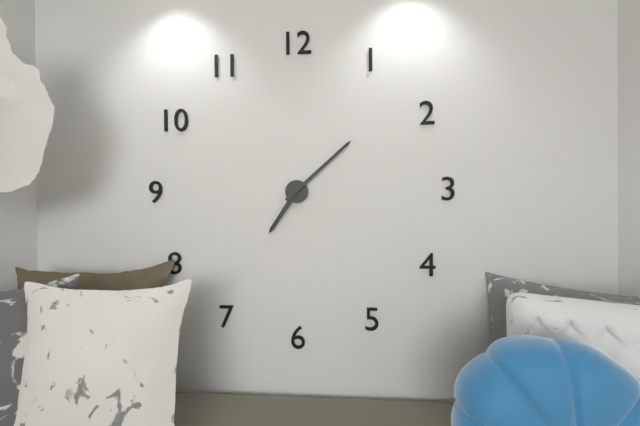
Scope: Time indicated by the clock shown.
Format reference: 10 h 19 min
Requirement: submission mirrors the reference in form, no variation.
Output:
7 h 08 min
